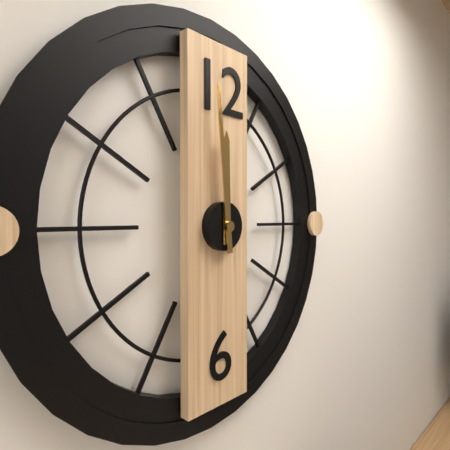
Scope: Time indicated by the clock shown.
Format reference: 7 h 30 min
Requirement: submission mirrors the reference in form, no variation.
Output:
11 h 59 min
